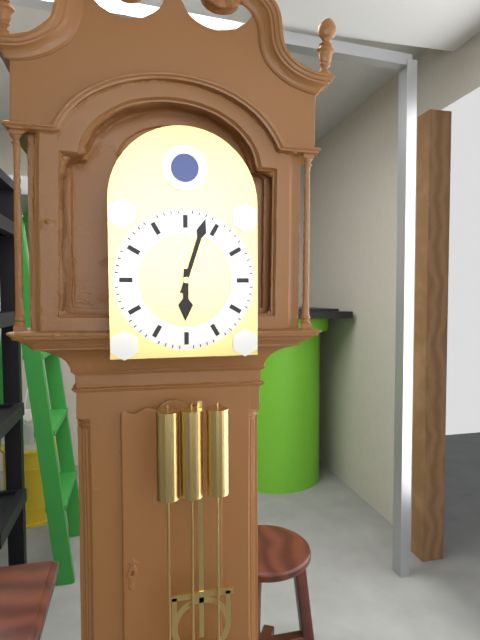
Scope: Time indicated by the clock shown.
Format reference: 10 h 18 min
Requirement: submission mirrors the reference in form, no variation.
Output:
6 h 03 min
